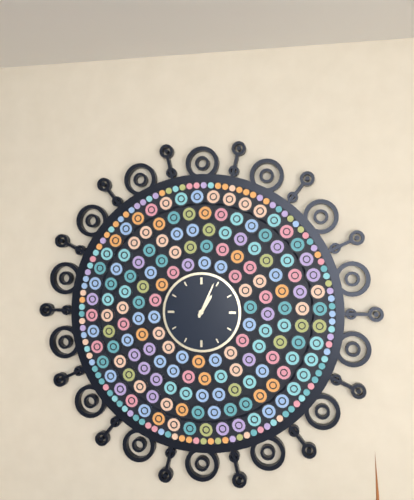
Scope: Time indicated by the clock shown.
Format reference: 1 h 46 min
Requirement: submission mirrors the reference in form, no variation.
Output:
1 h 04 min
